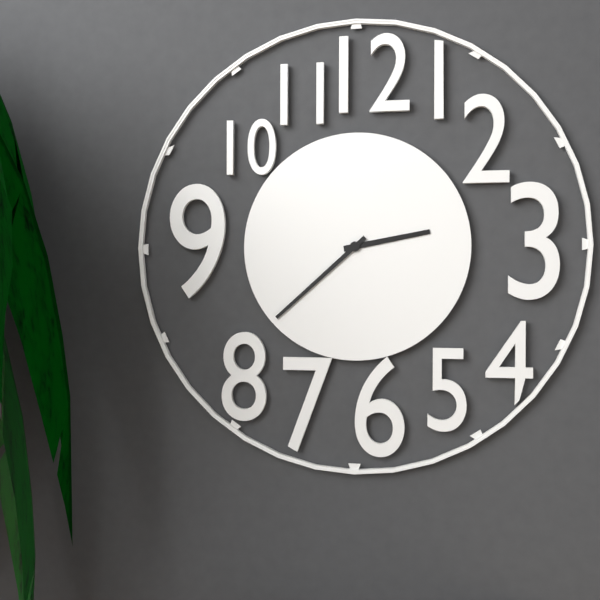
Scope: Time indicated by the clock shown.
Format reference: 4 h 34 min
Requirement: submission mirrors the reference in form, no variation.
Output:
2 h 38 min
